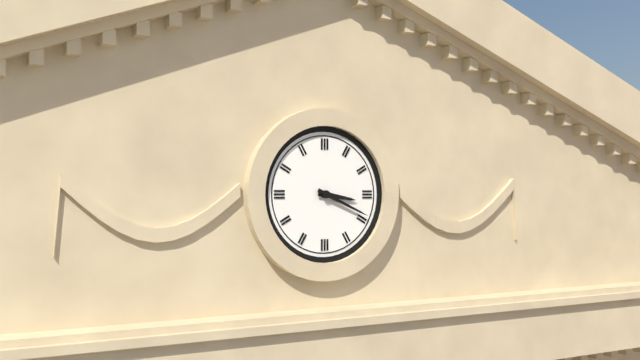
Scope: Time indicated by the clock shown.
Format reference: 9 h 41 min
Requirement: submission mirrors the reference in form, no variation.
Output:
3 h 19 min
